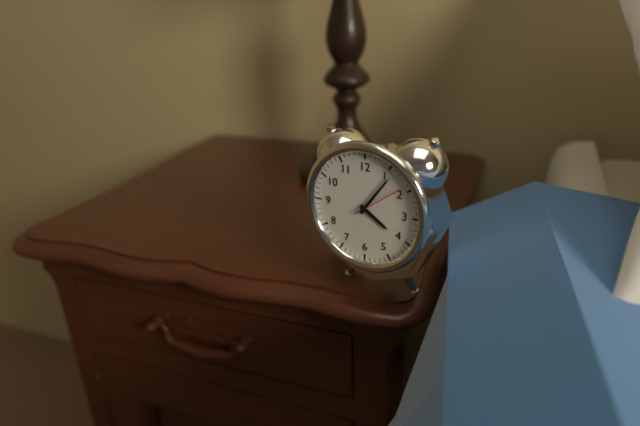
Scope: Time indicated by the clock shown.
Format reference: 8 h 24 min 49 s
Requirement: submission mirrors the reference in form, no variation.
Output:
4 h 06 min 09 s
